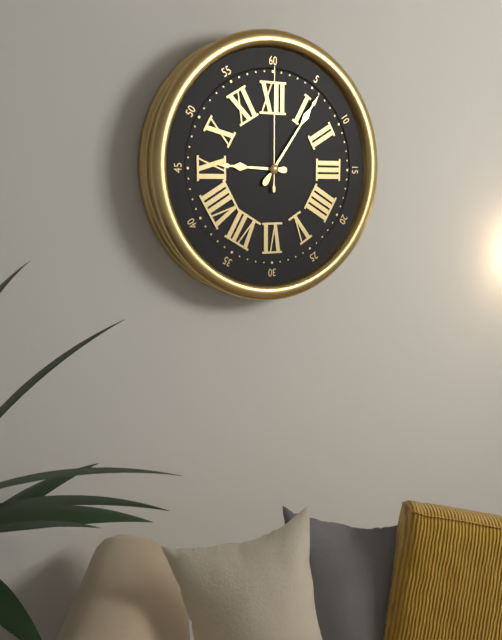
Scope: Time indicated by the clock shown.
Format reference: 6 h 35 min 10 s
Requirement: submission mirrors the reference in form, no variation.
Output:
9 h 06 min 00 s
